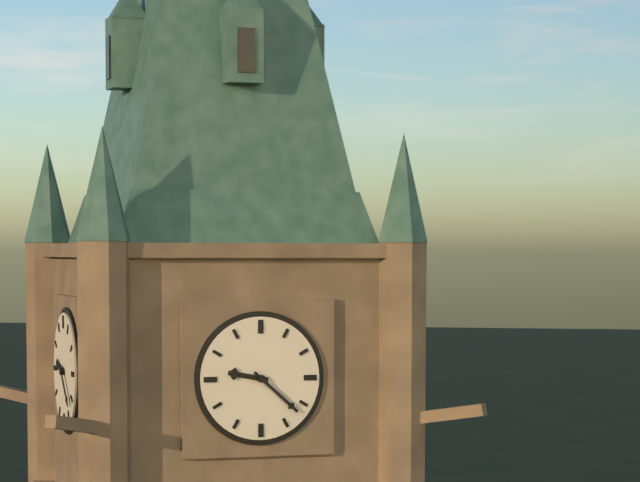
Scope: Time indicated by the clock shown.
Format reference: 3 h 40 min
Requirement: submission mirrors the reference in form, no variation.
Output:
9 h 22 min
